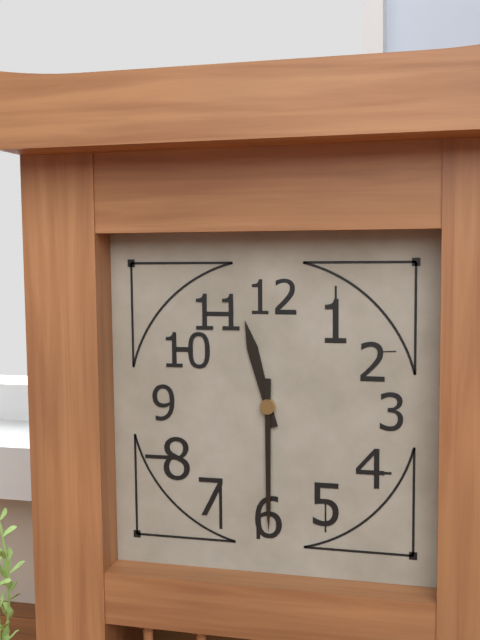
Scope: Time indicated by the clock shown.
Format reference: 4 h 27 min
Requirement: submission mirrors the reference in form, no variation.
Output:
11 h 30 min
